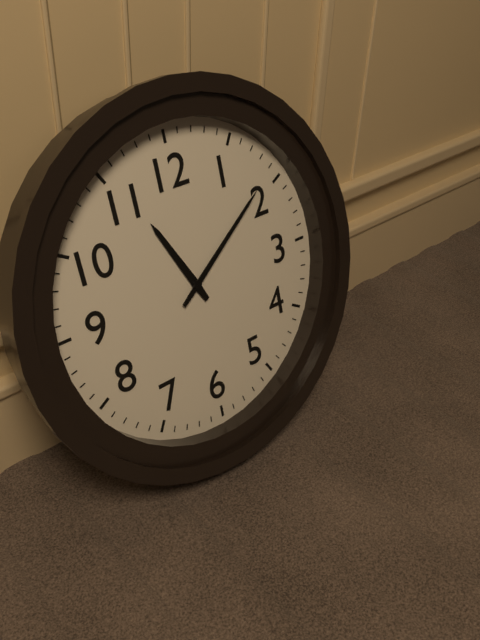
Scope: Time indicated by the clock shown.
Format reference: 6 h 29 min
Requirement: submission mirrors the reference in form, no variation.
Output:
11 h 09 min
